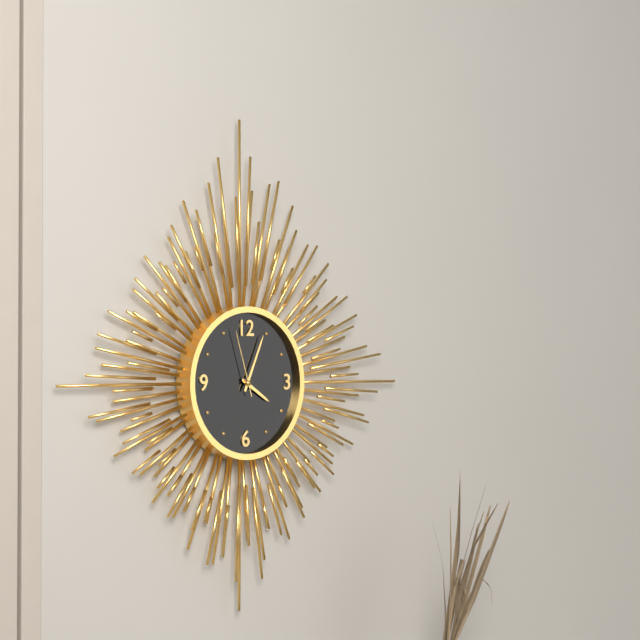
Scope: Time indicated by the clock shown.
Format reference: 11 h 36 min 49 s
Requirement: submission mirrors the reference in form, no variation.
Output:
4 h 04 min 57 s
